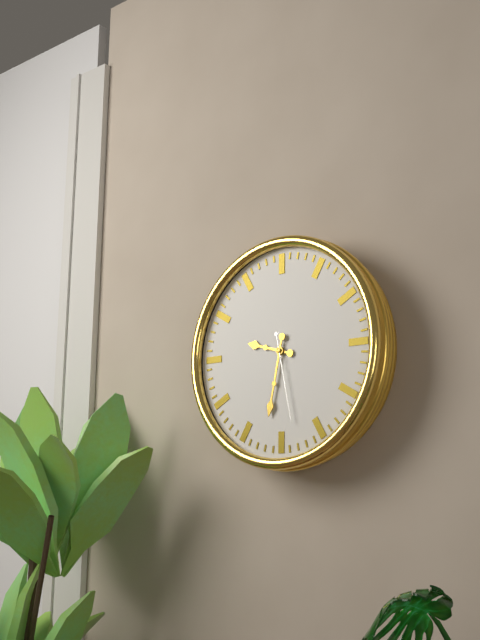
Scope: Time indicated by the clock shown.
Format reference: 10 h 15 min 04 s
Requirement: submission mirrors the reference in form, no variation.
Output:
9 h 32 min 28 s
